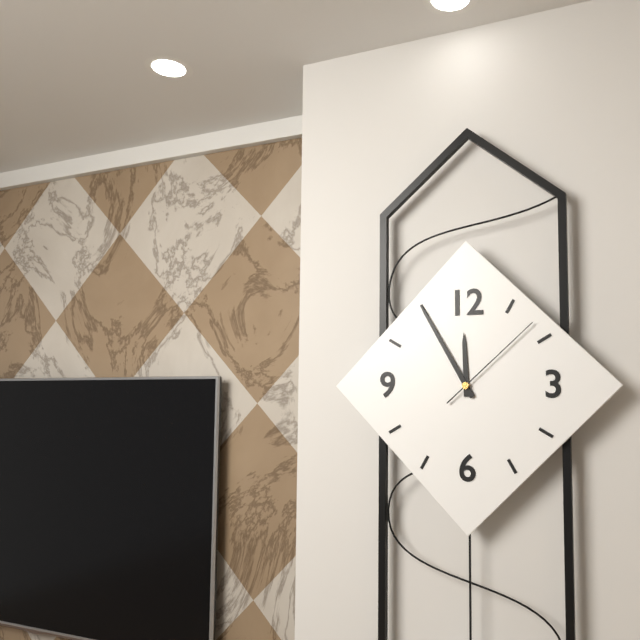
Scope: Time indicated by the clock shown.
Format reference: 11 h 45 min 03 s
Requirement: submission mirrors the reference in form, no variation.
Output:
11 h 55 min 08 s
